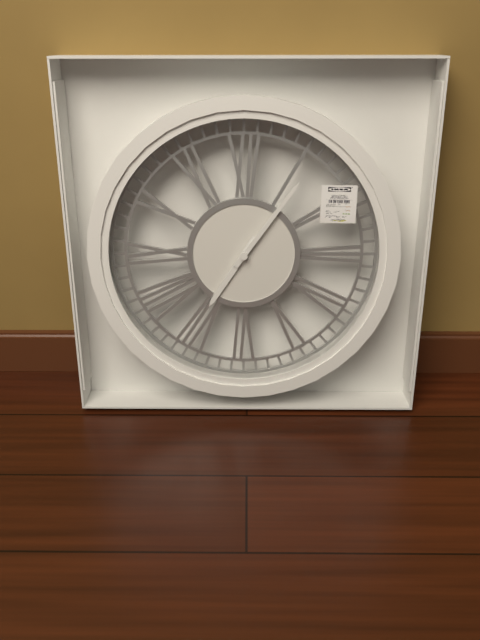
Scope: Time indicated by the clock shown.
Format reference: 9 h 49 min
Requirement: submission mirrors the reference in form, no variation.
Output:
7 h 06 min
